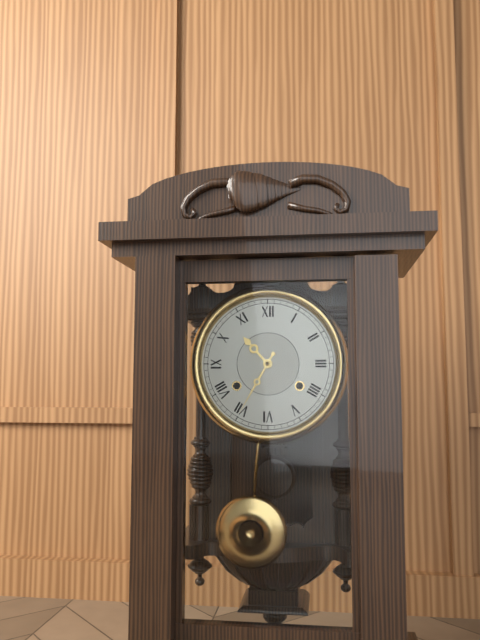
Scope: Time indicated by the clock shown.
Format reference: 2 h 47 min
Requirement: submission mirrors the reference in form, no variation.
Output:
10 h 35 min
